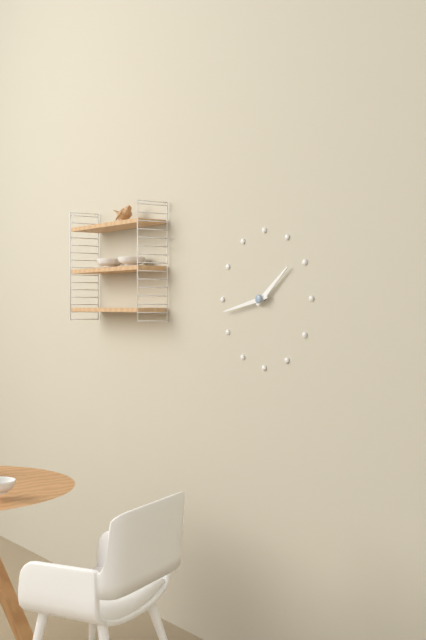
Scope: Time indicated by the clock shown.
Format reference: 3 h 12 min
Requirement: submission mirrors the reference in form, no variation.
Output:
1 h 43 min
